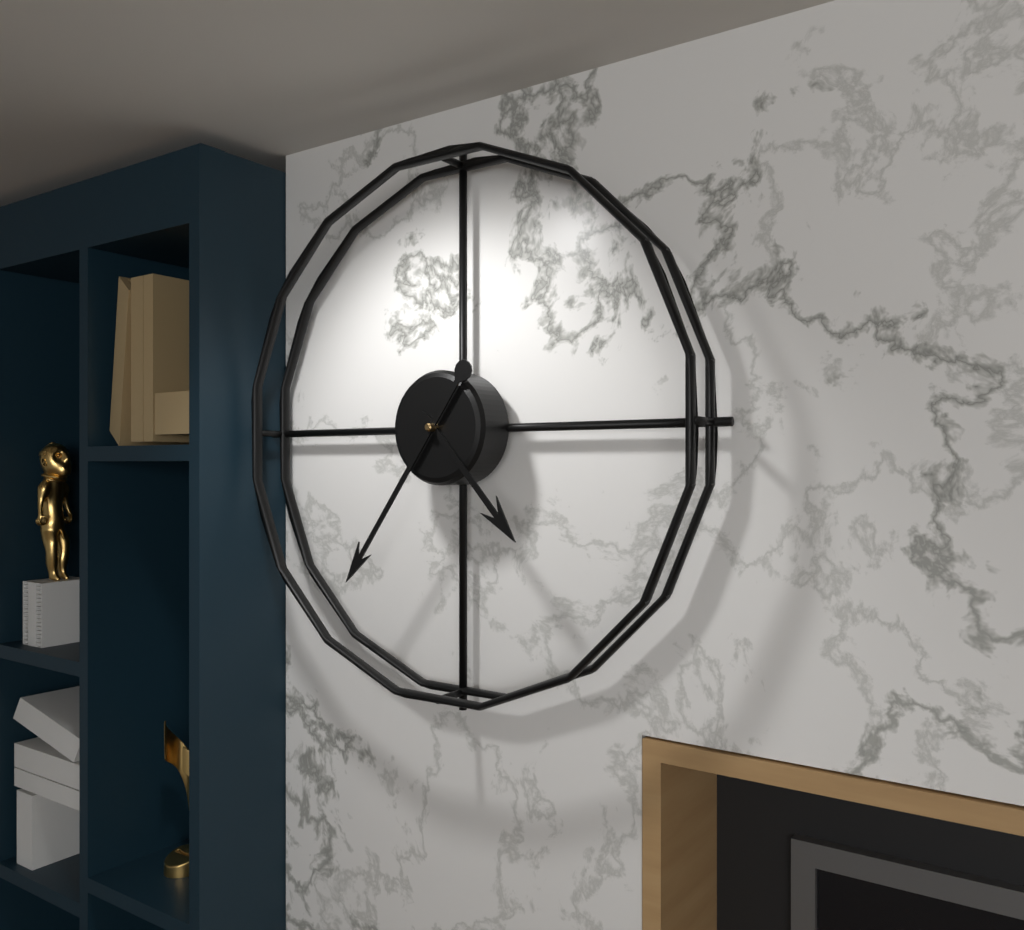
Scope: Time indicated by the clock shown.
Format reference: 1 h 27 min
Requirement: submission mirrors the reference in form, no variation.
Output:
4 h 36 min
